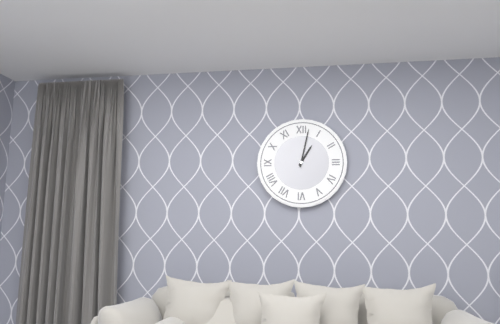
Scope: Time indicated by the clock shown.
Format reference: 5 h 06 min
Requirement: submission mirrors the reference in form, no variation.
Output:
1 h 02 min
